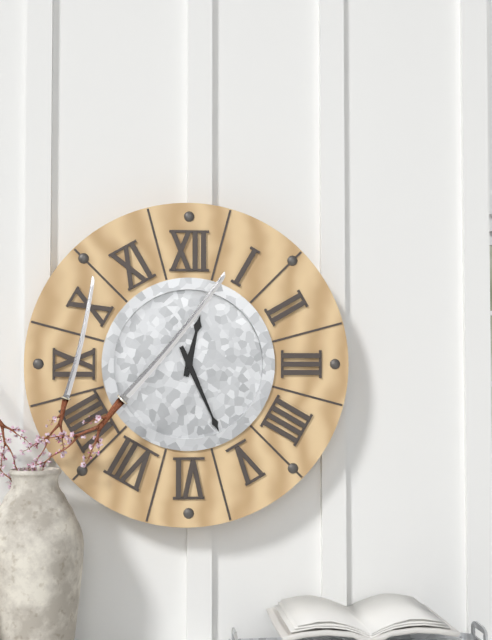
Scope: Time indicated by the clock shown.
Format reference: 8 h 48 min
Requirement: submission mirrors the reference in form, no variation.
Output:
12 h 26 min
